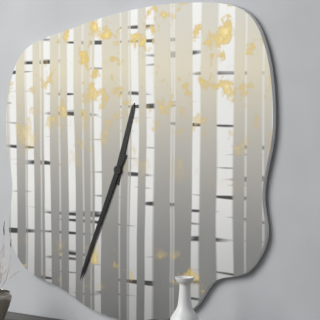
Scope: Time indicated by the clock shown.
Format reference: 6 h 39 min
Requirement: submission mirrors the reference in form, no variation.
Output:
12 h 34 min
